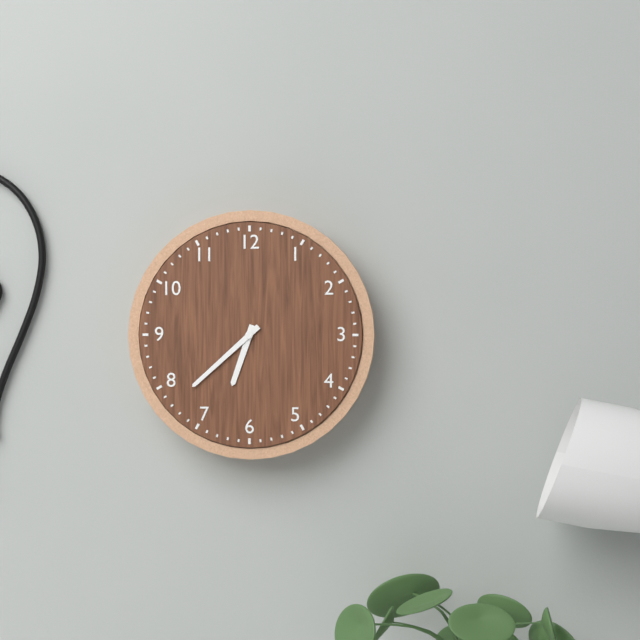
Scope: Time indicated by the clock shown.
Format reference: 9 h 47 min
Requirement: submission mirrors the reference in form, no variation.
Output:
6 h 38 min
